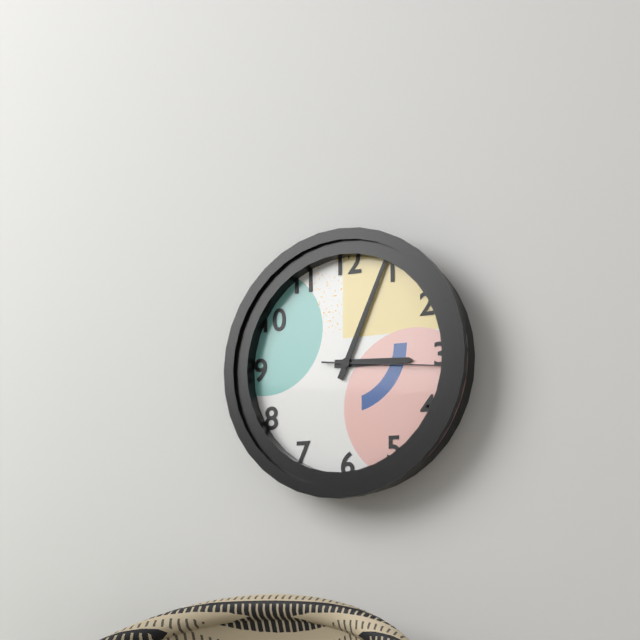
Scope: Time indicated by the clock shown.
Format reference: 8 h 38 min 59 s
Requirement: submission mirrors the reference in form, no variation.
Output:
3 h 04 min 16 s
